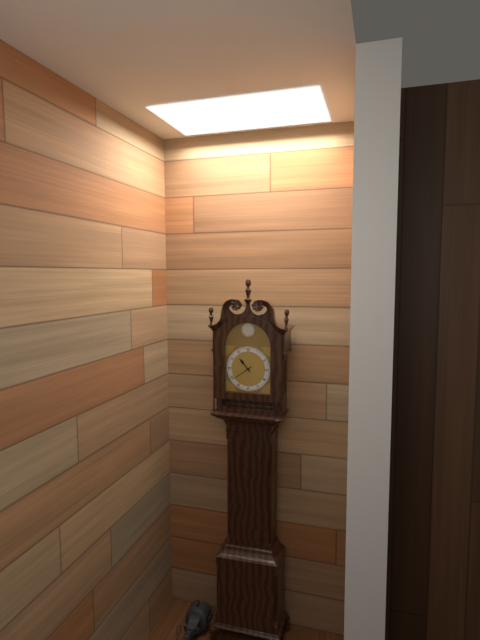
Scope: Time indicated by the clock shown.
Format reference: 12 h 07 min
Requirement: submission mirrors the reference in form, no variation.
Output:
10 h 39 min
